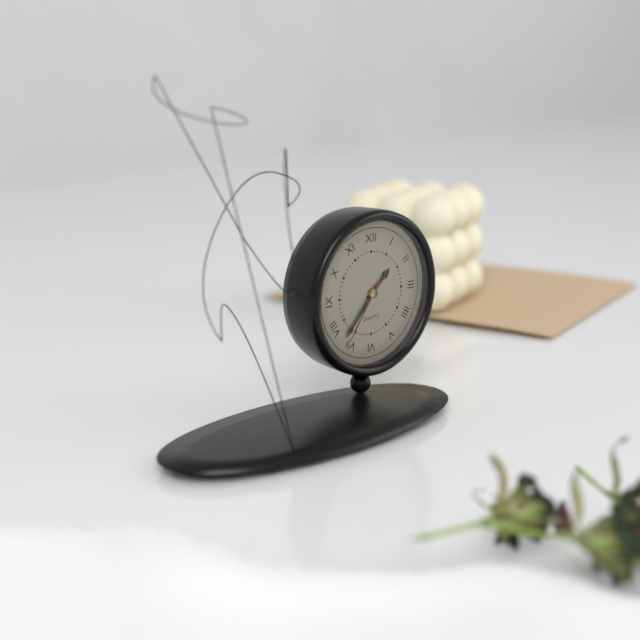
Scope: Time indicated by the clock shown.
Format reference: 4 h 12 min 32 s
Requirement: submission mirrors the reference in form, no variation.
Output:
1 h 37 min 36 s
